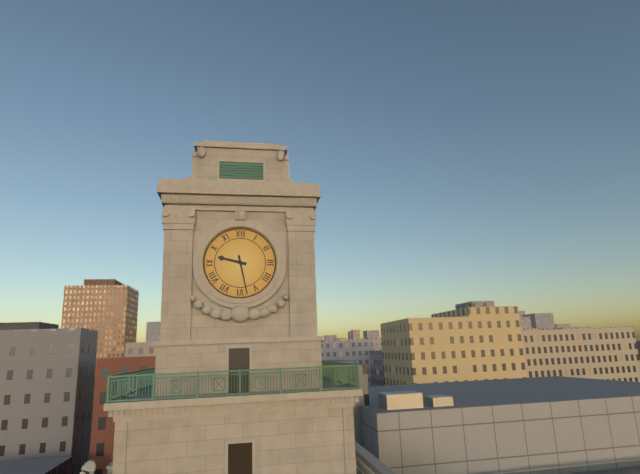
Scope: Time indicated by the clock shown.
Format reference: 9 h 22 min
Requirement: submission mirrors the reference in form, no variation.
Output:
9 h 28 min
